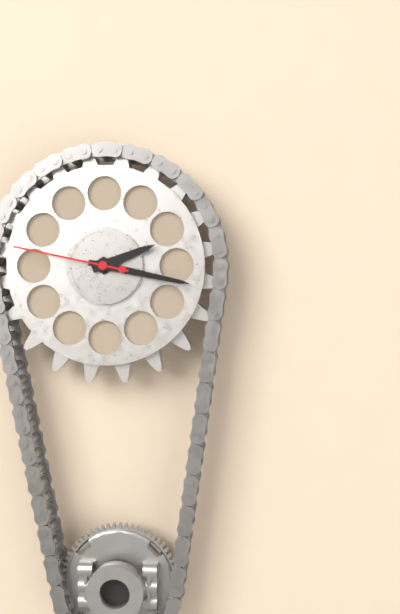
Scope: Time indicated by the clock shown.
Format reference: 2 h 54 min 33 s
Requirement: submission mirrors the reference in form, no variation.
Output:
2 h 17 min 47 s
